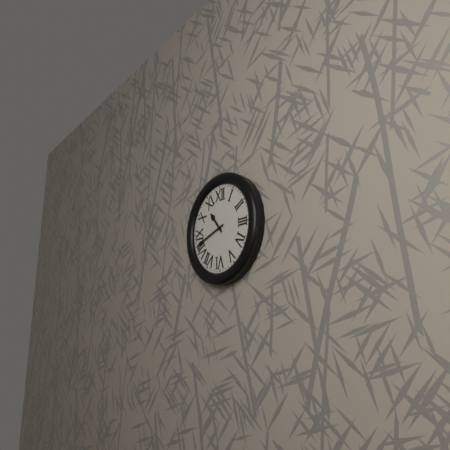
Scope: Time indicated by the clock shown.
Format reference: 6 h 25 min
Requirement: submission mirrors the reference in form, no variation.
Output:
10 h 42 min
